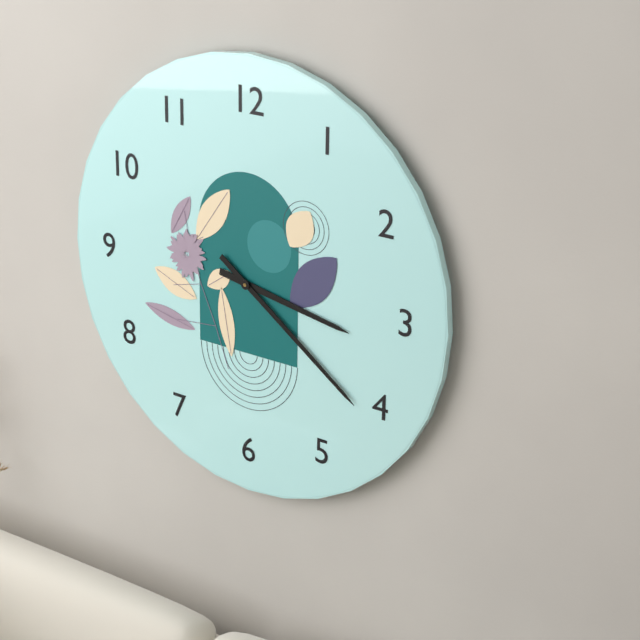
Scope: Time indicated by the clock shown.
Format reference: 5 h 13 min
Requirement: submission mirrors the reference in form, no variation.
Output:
3 h 21 min
